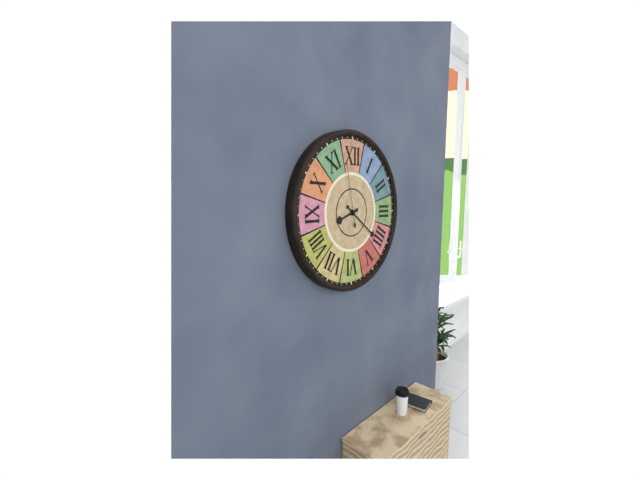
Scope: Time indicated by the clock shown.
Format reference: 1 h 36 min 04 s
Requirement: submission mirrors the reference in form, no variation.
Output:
8 h 21 min 58 s
